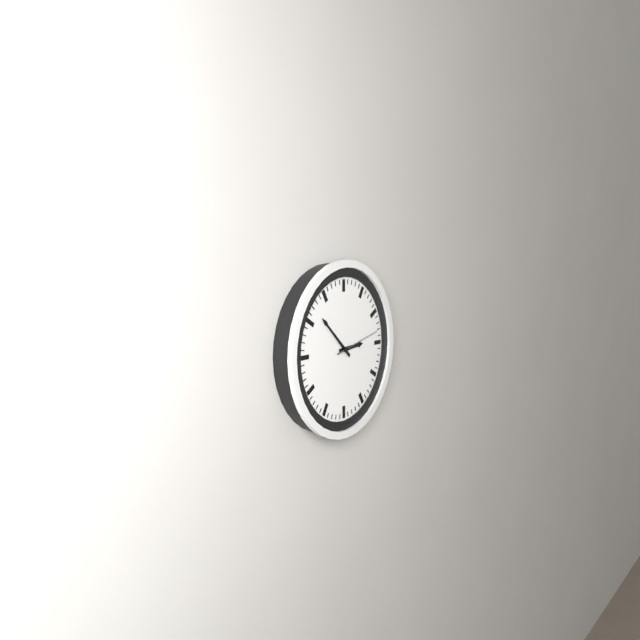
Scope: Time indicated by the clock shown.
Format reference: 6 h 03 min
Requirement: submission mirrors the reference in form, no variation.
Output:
2 h 52 min
